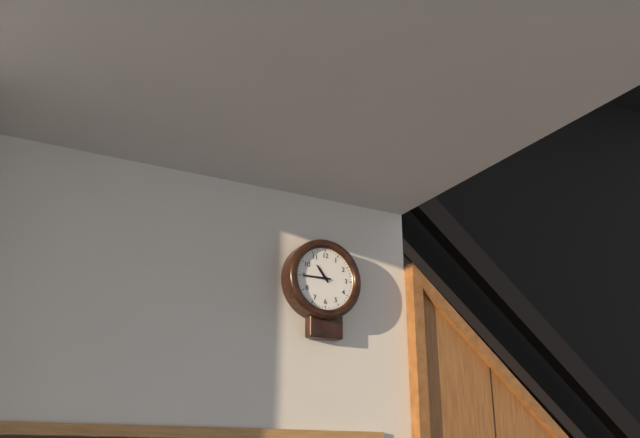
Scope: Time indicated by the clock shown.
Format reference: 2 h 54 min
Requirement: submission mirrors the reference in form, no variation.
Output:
10 h 45 min
